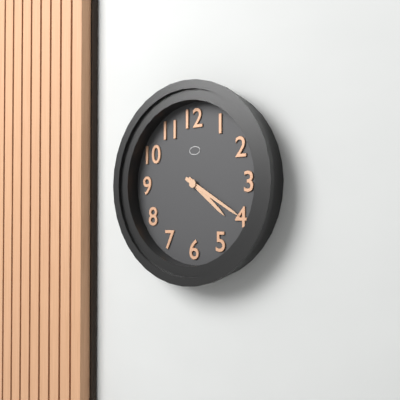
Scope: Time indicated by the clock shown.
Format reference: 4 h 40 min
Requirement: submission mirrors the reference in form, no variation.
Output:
4 h 20 min
